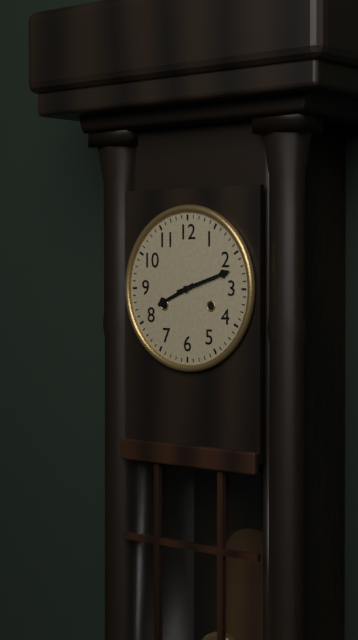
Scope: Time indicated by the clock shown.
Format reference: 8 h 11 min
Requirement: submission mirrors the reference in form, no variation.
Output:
8 h 12 min
